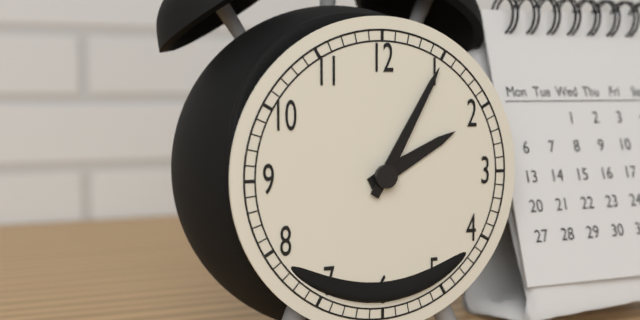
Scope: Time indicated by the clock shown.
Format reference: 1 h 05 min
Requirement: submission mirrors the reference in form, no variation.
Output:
2 h 05 min
